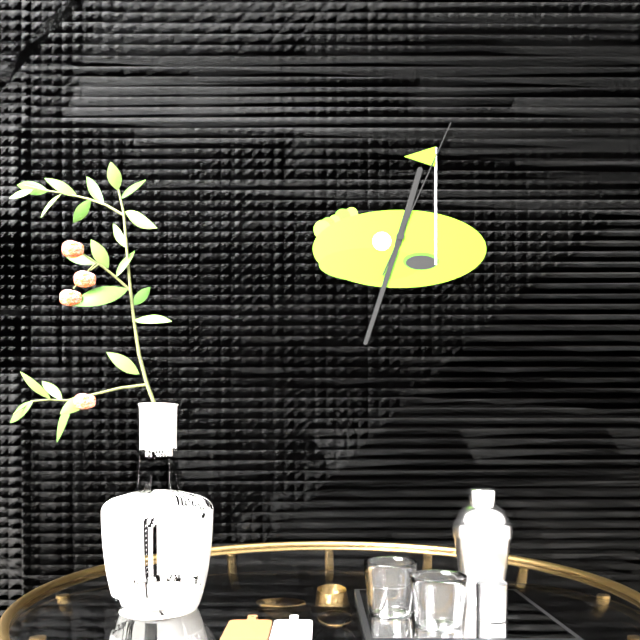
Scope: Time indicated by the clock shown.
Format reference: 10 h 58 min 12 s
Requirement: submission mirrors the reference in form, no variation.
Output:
12 h 33 min 04 s
